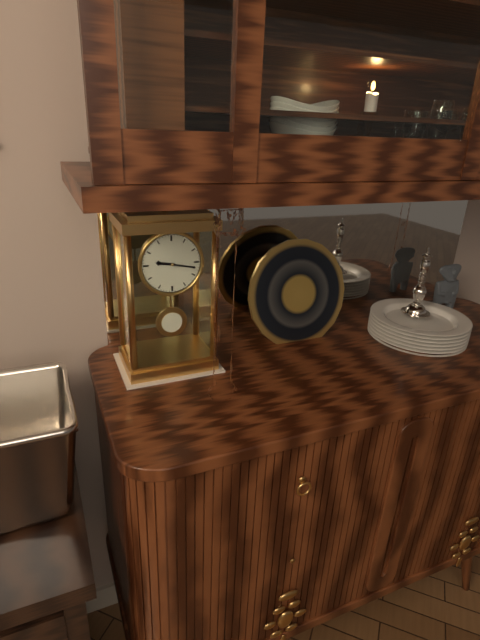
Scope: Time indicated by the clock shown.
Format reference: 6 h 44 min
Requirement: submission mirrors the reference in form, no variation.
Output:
9 h 17 min
